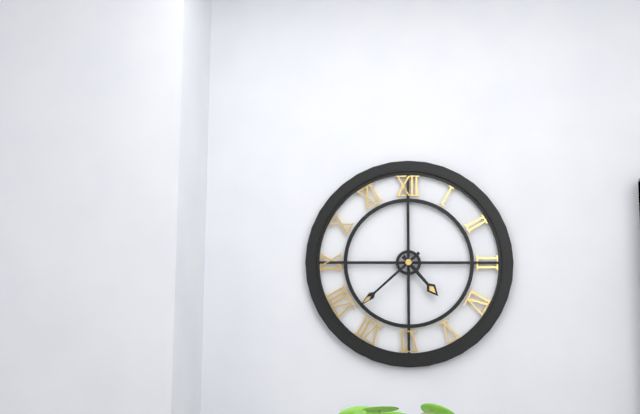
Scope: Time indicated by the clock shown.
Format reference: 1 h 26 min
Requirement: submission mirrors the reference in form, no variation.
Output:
4 h 38 min
